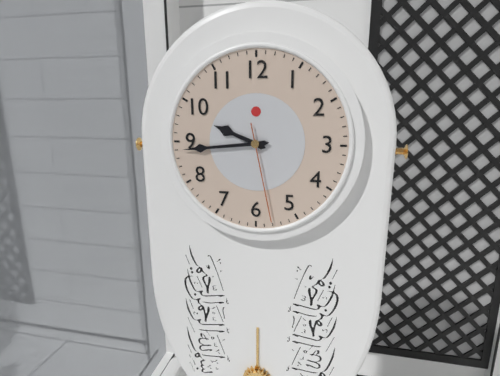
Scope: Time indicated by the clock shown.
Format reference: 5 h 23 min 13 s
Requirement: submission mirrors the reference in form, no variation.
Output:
9 h 44 min 28 s
